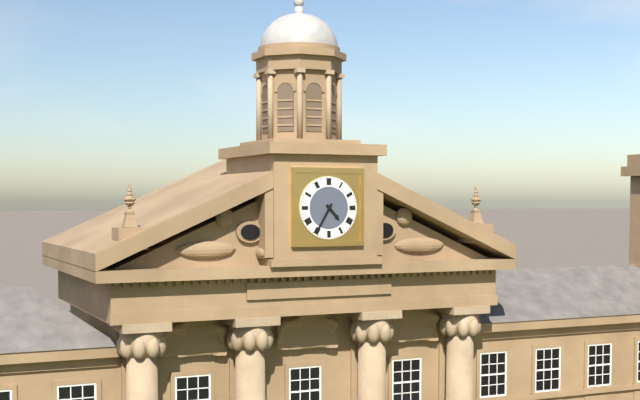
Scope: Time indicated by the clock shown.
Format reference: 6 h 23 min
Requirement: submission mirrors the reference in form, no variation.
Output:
4 h 35 min
